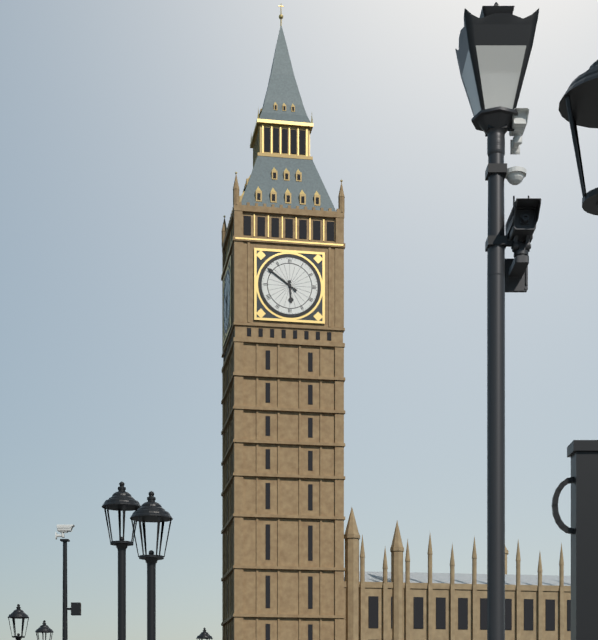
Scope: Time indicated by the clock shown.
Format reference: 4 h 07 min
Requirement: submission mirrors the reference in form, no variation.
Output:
5 h 51 min
